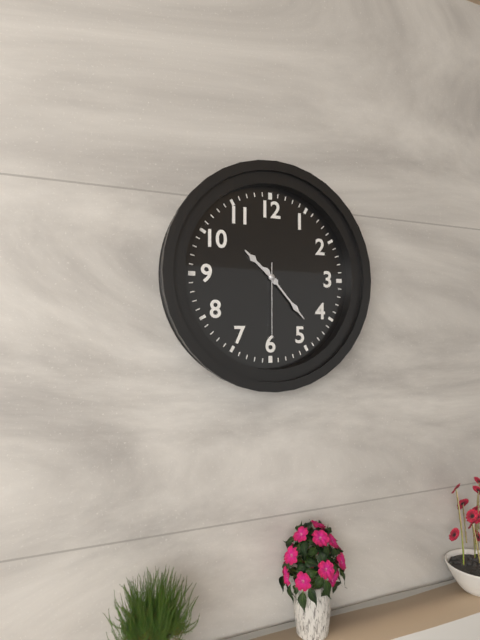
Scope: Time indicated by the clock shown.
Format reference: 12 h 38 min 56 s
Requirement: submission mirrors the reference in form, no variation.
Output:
10 h 23 min 30 s
